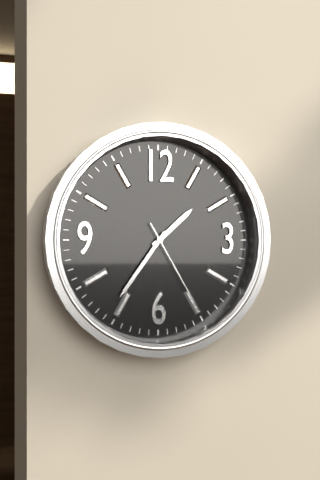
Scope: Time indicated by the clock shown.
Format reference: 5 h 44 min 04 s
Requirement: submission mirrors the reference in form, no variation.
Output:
1 h 36 min 25 s
